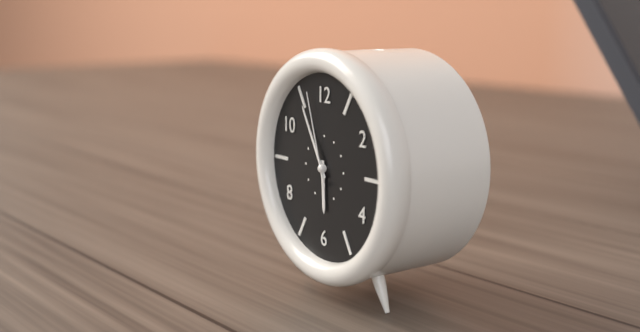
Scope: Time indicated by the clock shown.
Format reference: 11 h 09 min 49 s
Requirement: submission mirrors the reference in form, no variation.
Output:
5 h 55 min 57 s
